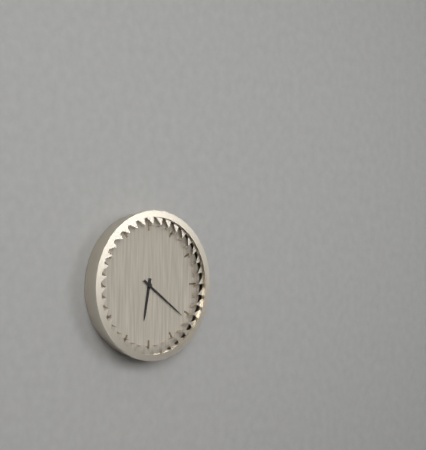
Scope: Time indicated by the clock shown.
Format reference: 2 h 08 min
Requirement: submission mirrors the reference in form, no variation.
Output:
6 h 21 min
